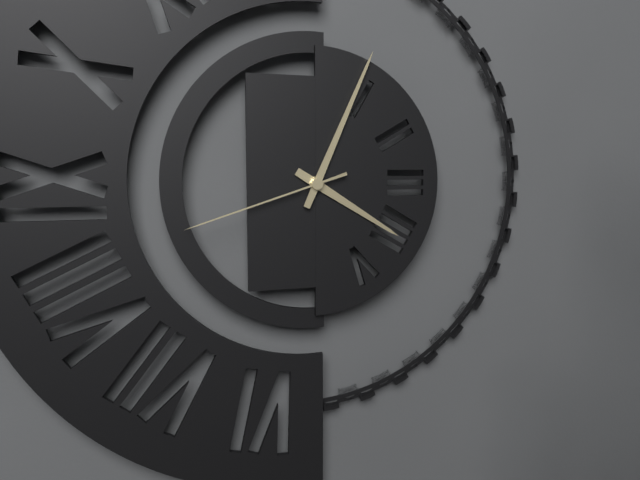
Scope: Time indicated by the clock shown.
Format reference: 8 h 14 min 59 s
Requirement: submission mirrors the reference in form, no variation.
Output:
4 h 04 min 42 s
